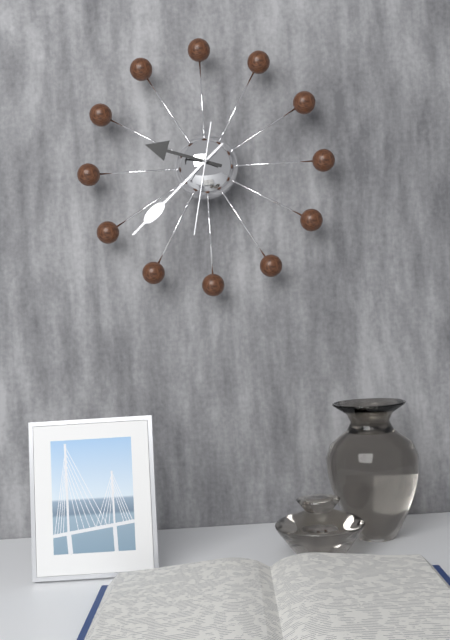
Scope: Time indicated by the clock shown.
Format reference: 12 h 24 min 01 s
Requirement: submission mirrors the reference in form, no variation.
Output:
9 h 38 min 32 s
